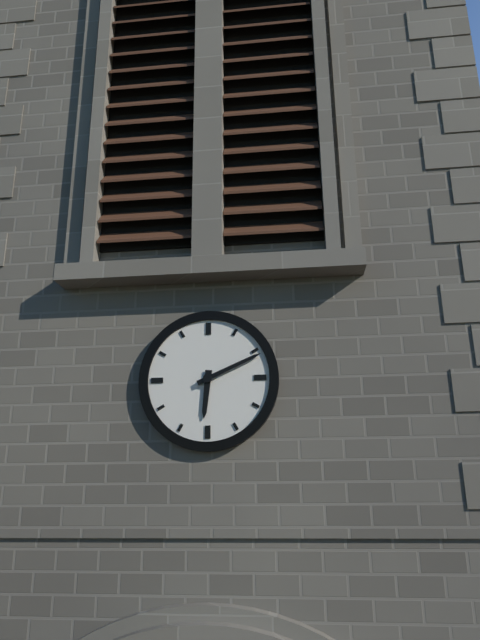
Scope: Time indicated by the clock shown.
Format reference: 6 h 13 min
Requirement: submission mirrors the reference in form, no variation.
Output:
6 h 11 min
